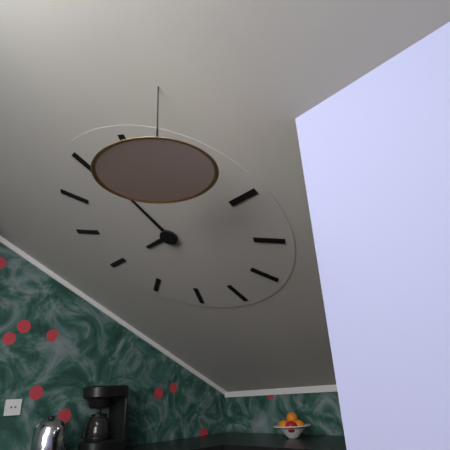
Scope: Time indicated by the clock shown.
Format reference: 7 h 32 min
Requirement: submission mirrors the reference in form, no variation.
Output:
9 h 01 min
